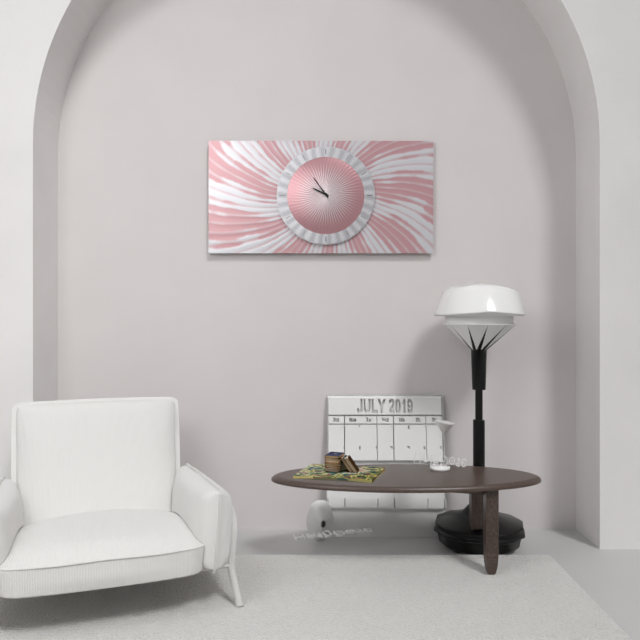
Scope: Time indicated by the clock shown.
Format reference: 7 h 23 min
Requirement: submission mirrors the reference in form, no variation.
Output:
9 h 54 min
